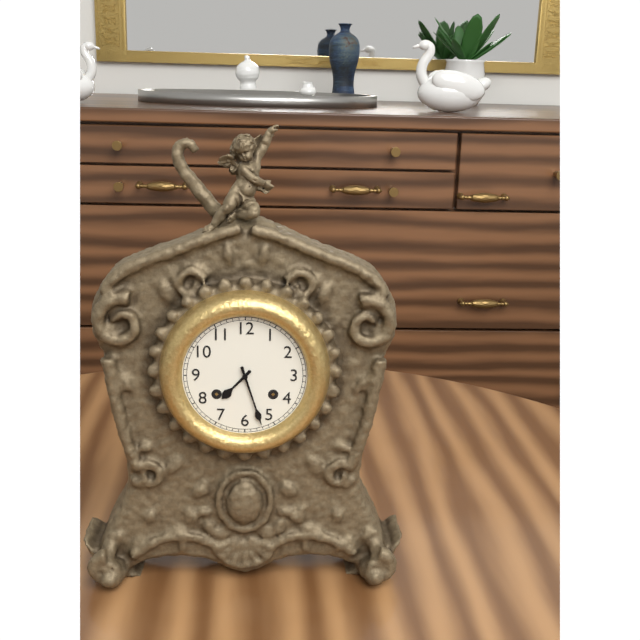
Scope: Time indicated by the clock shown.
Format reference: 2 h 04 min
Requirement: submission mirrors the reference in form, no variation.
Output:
7 h 27 min
